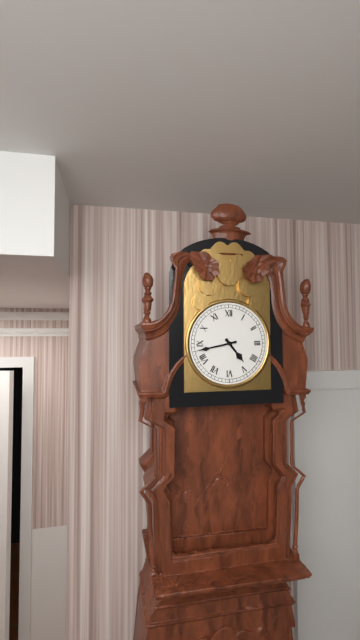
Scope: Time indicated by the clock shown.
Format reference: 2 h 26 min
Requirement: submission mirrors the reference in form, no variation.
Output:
4 h 43 min
